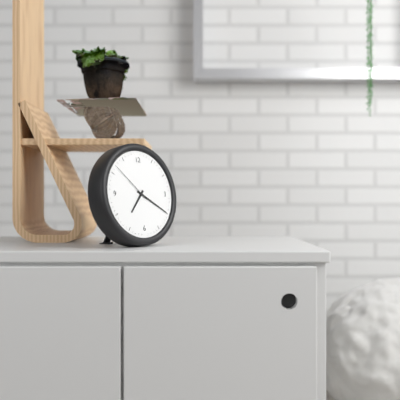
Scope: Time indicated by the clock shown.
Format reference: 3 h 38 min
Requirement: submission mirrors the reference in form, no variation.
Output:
7 h 20 min
